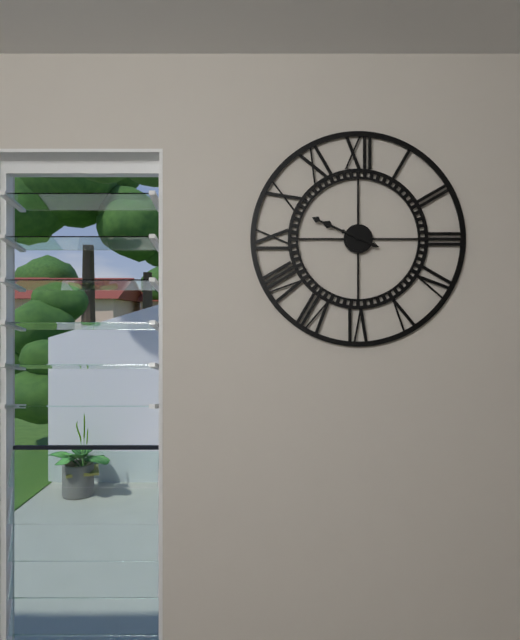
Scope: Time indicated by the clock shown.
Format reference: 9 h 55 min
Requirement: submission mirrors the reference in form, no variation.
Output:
9 h 49 min
